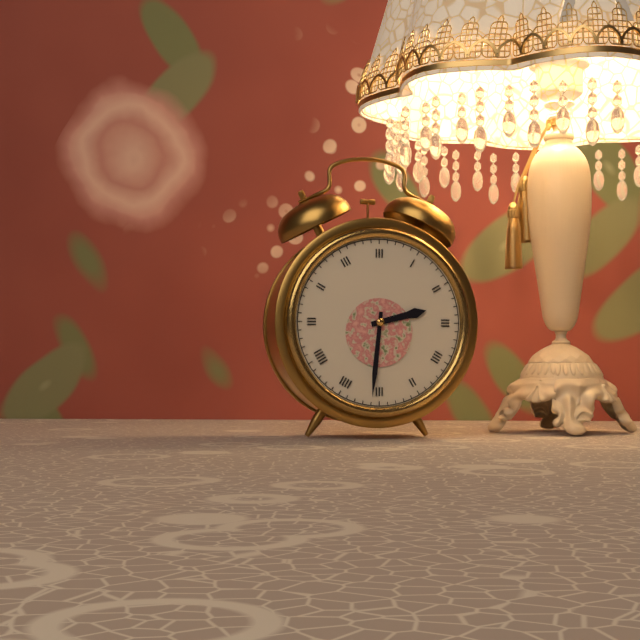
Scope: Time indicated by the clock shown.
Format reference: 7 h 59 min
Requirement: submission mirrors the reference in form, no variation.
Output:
2 h 31 min
